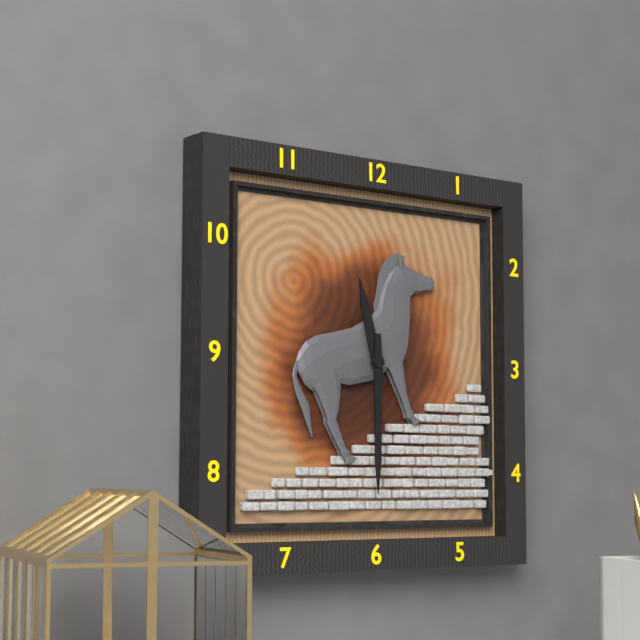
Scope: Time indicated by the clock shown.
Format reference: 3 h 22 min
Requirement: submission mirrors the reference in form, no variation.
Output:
11 h 30 min
